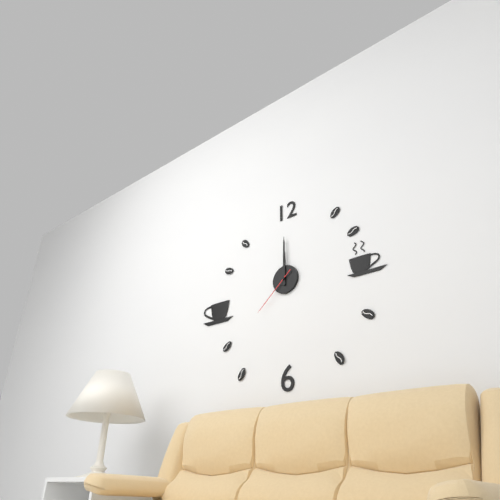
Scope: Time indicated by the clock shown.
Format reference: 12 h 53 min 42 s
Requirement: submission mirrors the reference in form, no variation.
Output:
12 h 00 min 38 s
